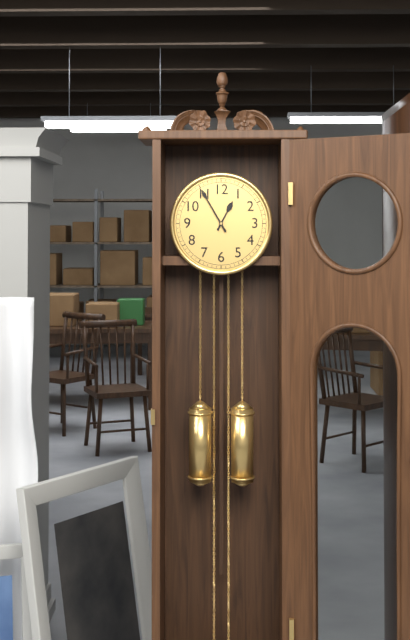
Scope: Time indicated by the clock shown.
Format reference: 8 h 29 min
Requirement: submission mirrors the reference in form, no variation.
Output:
12 h 55 min
